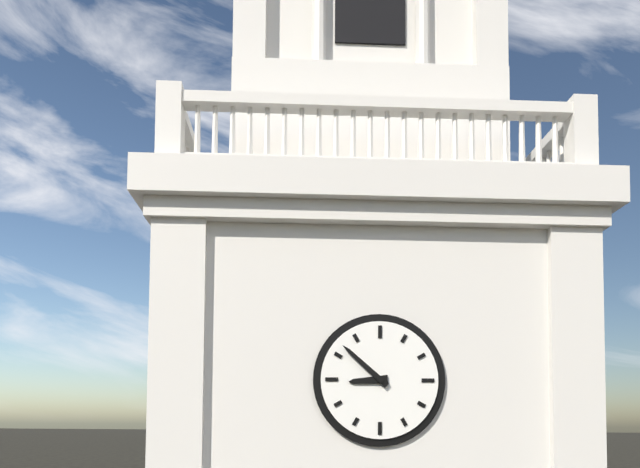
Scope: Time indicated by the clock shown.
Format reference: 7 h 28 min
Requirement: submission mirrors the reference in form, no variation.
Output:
8 h 52 min
